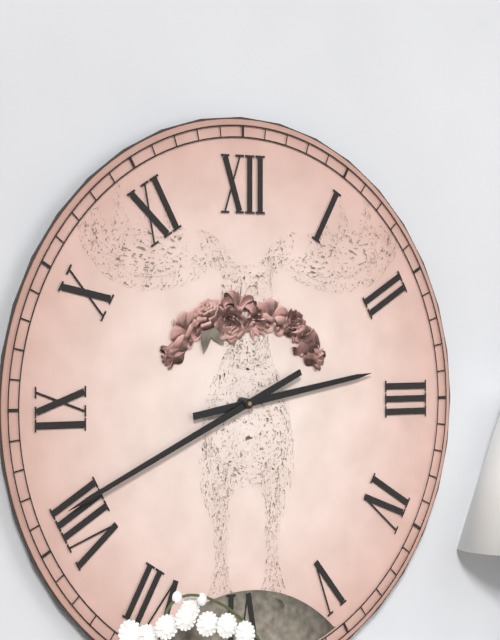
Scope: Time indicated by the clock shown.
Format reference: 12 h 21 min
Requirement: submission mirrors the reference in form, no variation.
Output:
2 h 41 min
